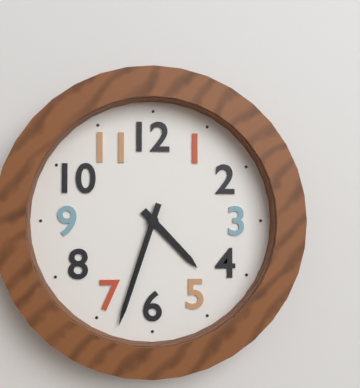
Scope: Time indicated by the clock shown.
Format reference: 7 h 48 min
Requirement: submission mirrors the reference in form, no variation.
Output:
4 h 33 min
